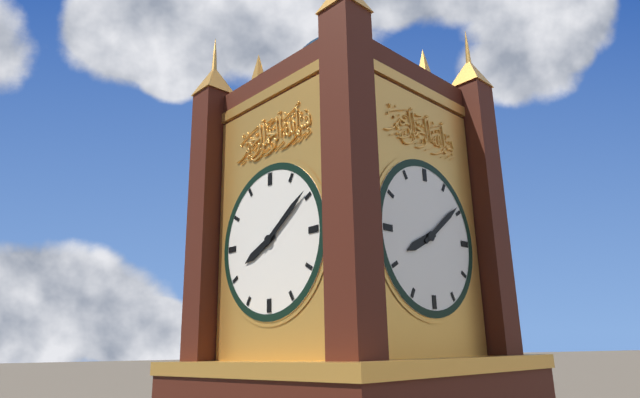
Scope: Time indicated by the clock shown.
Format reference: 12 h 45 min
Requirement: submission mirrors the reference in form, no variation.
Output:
8 h 09 min
